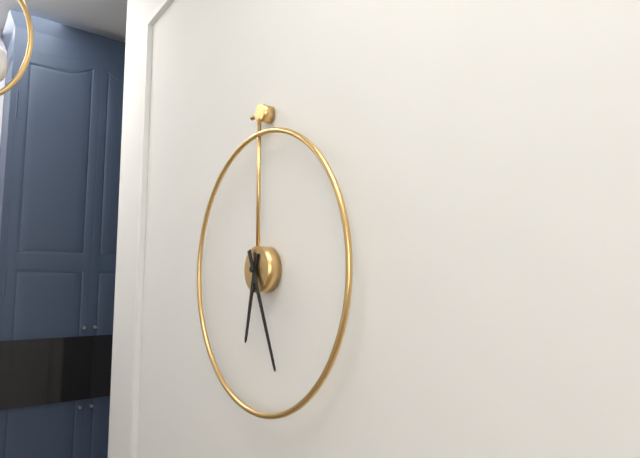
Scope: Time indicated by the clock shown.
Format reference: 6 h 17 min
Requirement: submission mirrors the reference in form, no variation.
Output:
6 h 26 min
